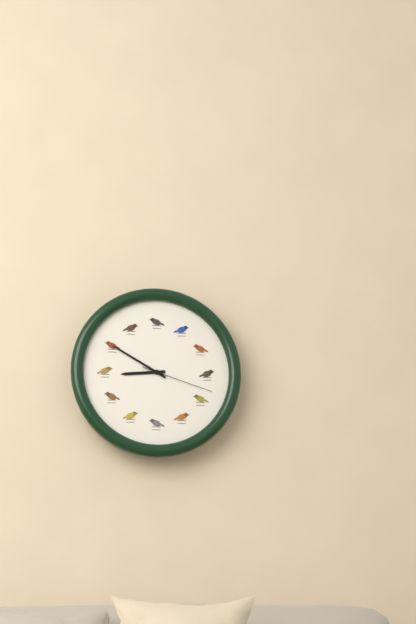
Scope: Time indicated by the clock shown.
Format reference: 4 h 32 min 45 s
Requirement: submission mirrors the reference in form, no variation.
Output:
8 h 50 min 18 s
